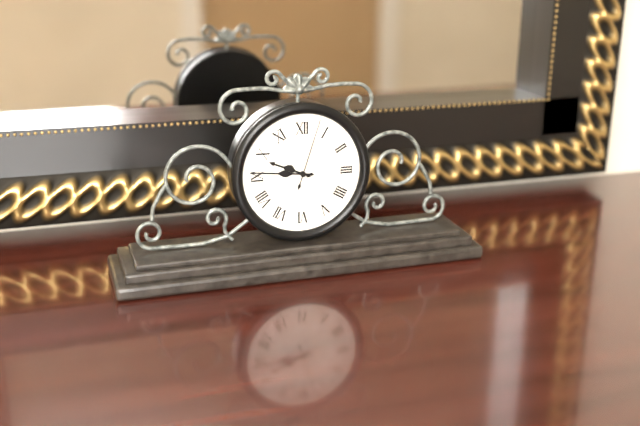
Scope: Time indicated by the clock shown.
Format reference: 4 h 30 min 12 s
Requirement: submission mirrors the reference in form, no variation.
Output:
9 h 46 min 03 s
